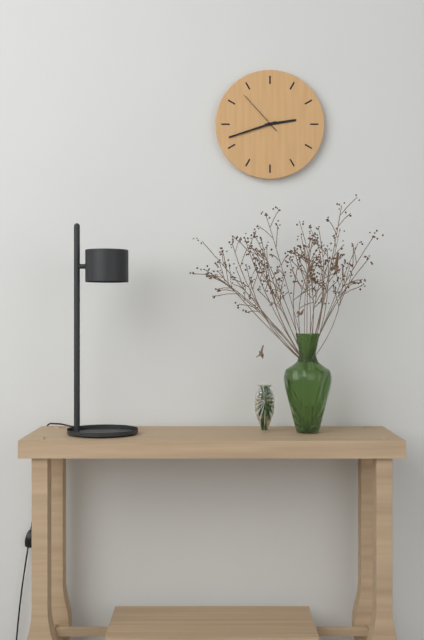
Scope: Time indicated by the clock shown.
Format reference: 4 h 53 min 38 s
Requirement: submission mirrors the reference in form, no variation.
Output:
2 h 42 min 53 s
